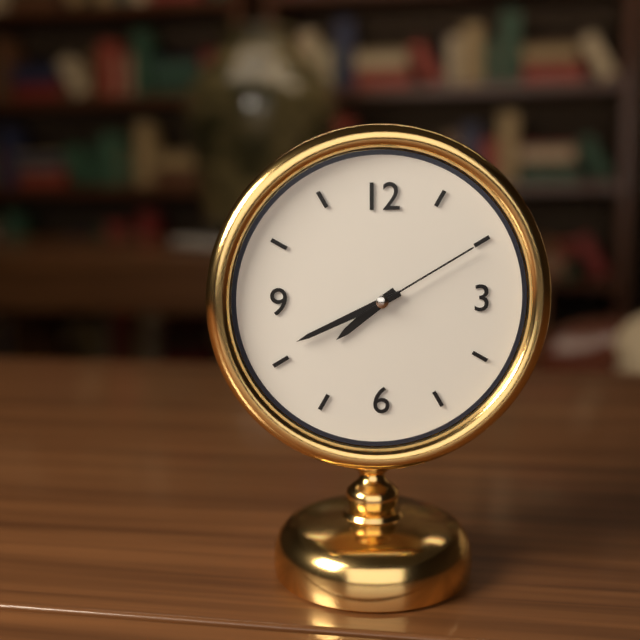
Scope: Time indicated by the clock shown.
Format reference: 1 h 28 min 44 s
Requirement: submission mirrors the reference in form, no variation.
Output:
7 h 41 min 10 s
